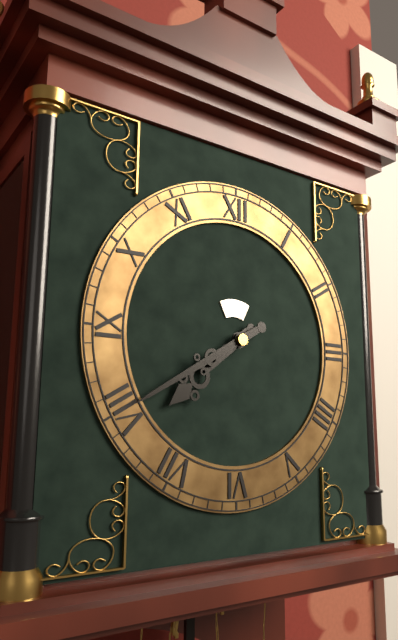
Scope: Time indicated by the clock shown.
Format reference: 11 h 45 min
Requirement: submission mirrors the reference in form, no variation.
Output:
7 h 40 min
